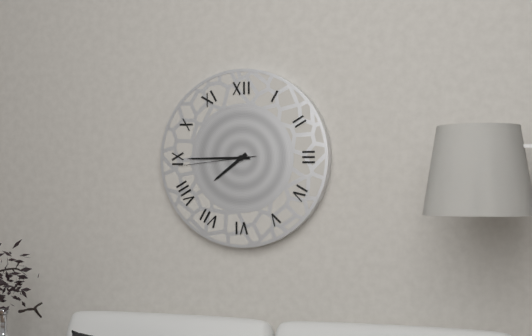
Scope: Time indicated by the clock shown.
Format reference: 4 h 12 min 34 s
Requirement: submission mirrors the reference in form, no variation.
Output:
7 h 45 min 44 s
